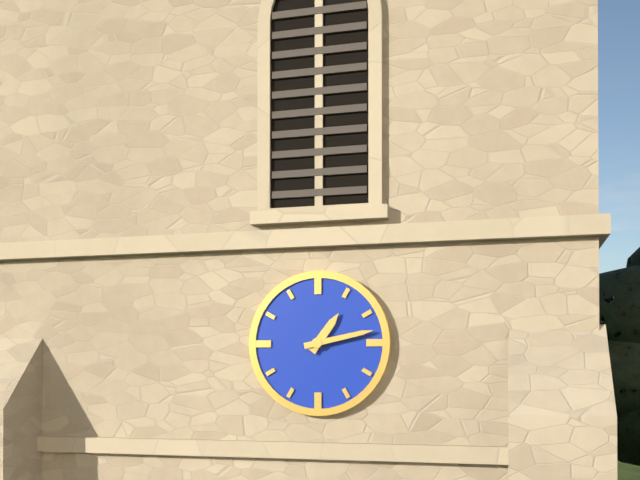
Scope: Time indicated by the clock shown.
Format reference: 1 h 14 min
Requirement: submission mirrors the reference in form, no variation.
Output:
1 h 13 min
